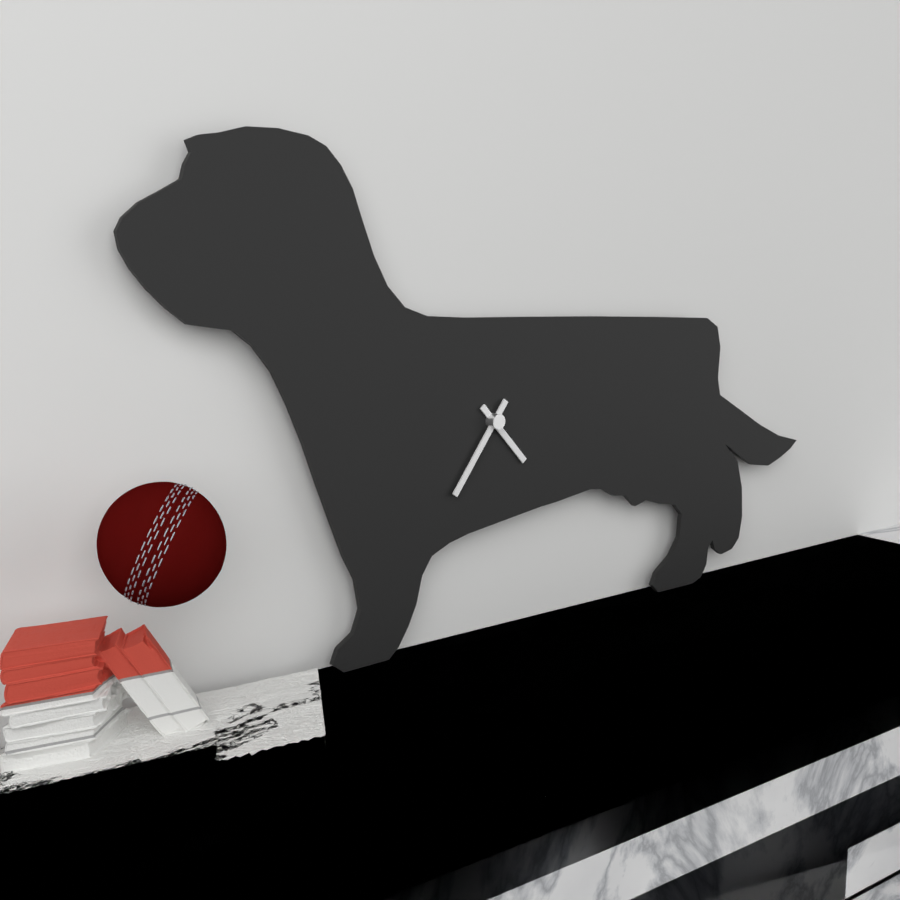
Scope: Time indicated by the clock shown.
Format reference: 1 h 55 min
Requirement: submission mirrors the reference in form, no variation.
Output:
4 h 36 min
